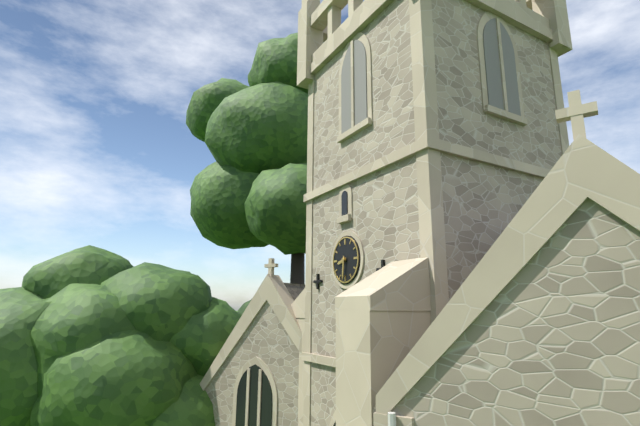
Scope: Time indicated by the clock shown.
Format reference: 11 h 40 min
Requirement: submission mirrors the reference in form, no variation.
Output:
8 h 31 min
